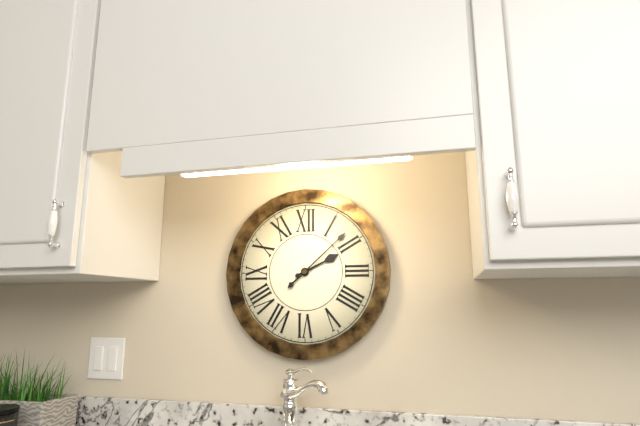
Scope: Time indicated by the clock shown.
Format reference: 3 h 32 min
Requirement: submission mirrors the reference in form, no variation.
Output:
2 h 08 min
